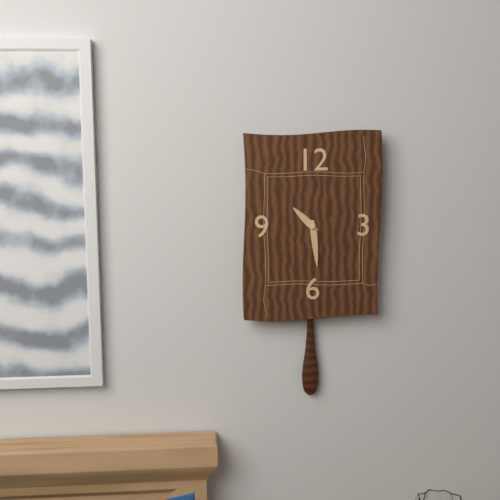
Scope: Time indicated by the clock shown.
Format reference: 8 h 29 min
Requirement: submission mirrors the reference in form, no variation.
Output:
10 h 29 min
